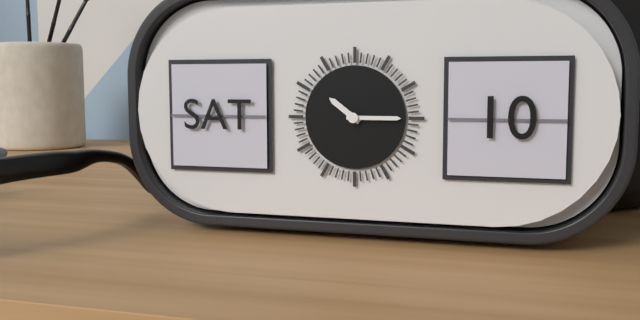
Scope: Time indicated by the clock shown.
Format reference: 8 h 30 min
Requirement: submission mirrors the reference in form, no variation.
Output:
10 h 15 min
